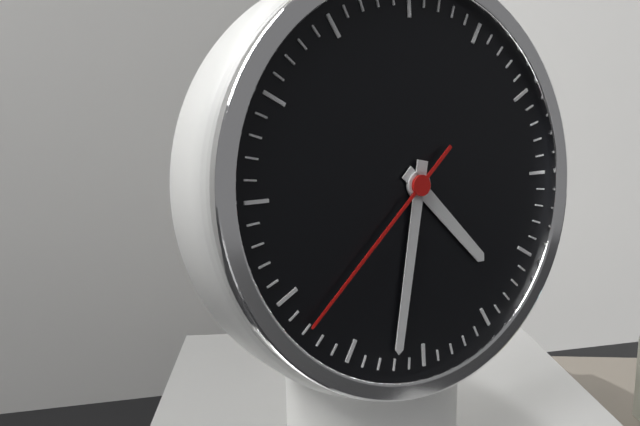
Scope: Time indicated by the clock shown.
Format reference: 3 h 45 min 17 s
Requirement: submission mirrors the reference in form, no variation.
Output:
4 h 32 min 38 s
